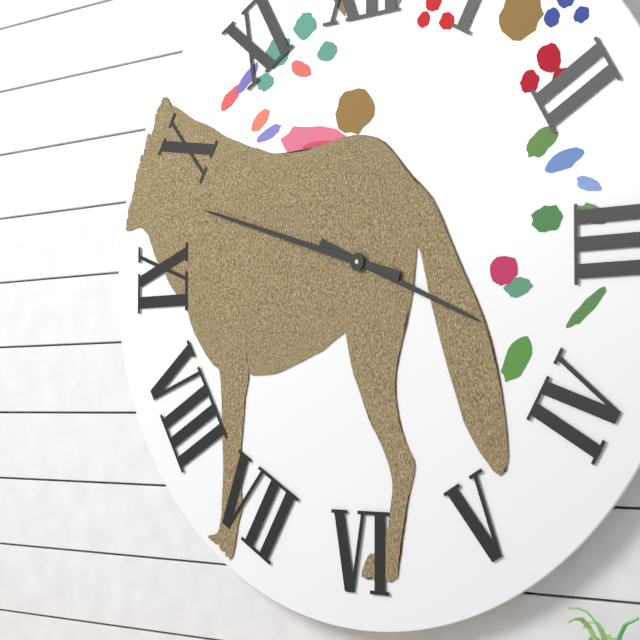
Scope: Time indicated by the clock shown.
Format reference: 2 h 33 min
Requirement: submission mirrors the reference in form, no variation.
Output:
3 h 48 min
